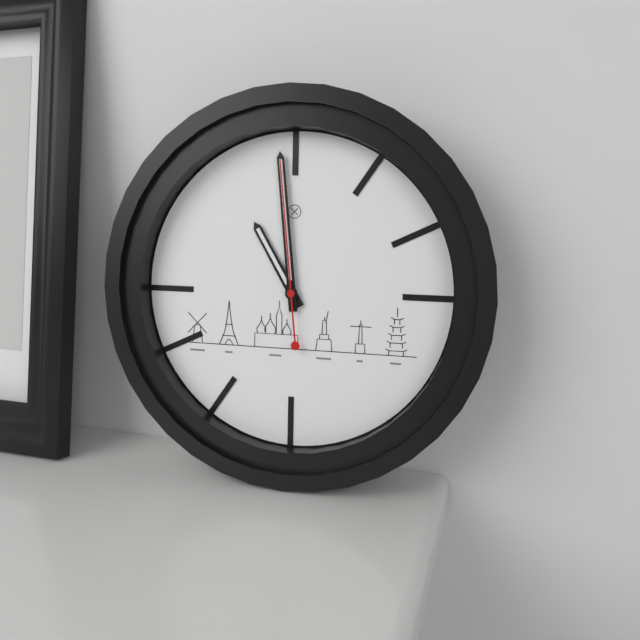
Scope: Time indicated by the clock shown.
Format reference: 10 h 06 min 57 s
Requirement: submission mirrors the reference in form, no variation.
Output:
10 h 59 min 59 s
